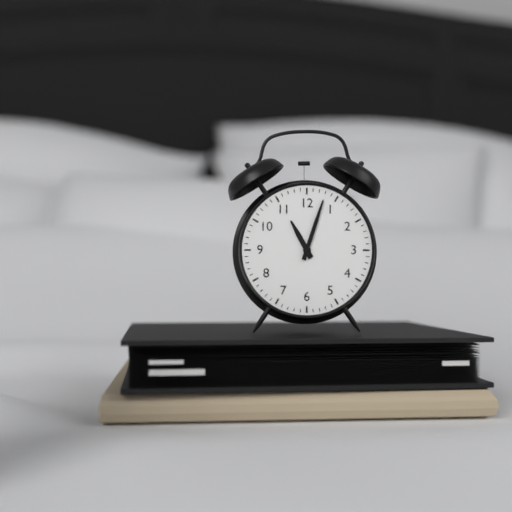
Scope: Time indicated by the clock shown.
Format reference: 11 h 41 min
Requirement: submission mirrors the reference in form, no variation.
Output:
11 h 03 min
